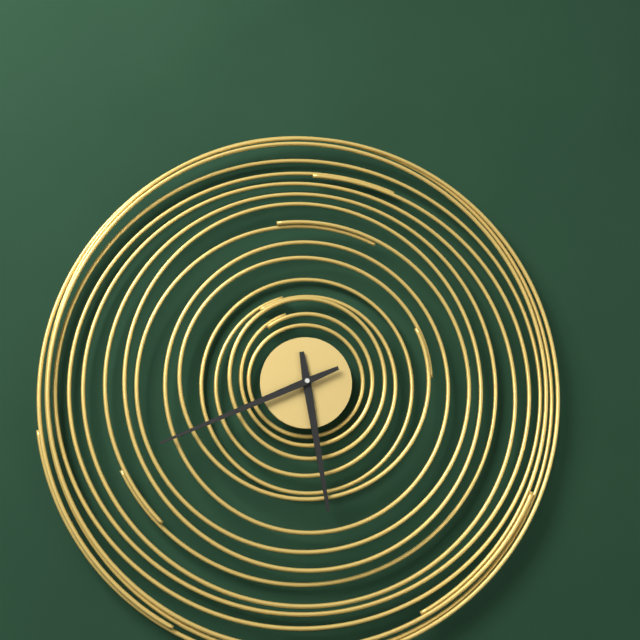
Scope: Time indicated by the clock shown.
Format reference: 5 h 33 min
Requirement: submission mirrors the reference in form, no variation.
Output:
5 h 41 min
